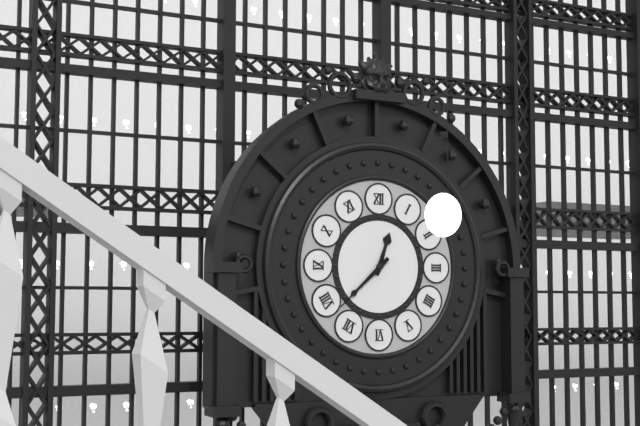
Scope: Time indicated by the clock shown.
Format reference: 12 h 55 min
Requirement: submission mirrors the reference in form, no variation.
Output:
12 h 38 min
